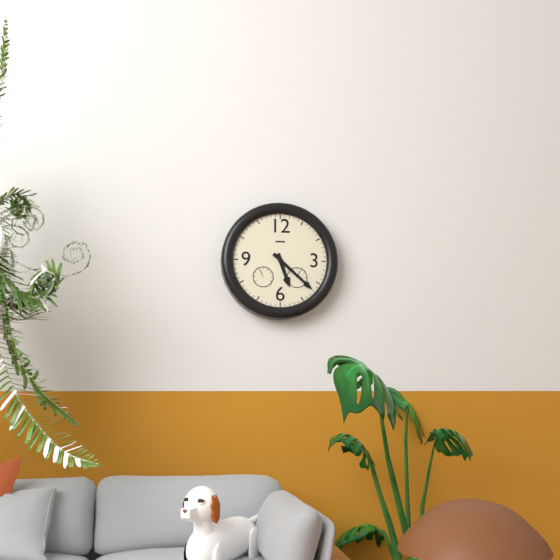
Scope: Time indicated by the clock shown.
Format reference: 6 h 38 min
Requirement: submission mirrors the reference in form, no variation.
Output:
5 h 22 min
